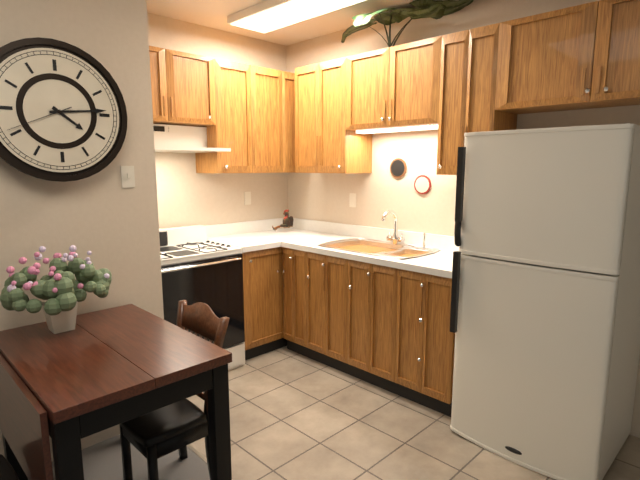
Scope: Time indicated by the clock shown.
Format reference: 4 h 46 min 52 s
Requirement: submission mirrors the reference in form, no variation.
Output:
4 h 14 min 41 s
